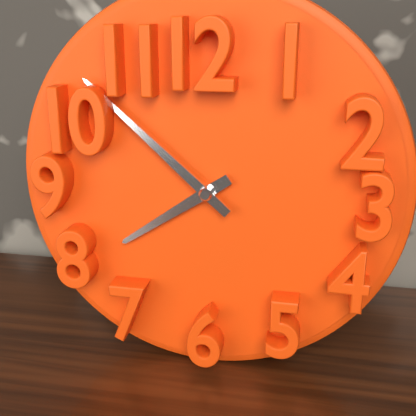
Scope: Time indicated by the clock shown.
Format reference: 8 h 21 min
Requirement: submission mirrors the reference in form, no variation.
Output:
7 h 52 min
